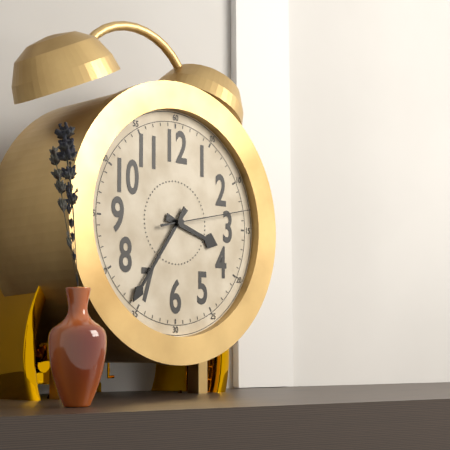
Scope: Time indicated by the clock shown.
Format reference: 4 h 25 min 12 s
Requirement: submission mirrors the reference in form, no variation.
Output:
3 h 36 min 13 s
